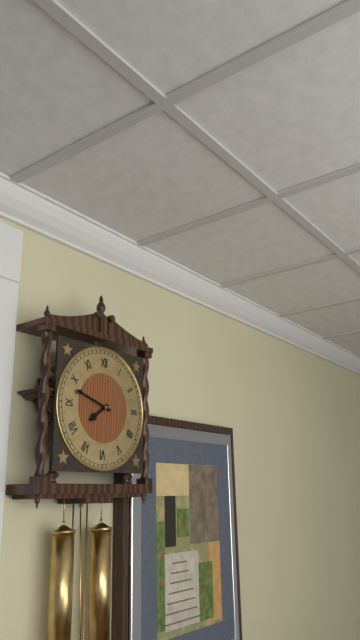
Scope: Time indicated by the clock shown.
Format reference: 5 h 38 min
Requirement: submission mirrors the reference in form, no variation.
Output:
7 h 48 min
